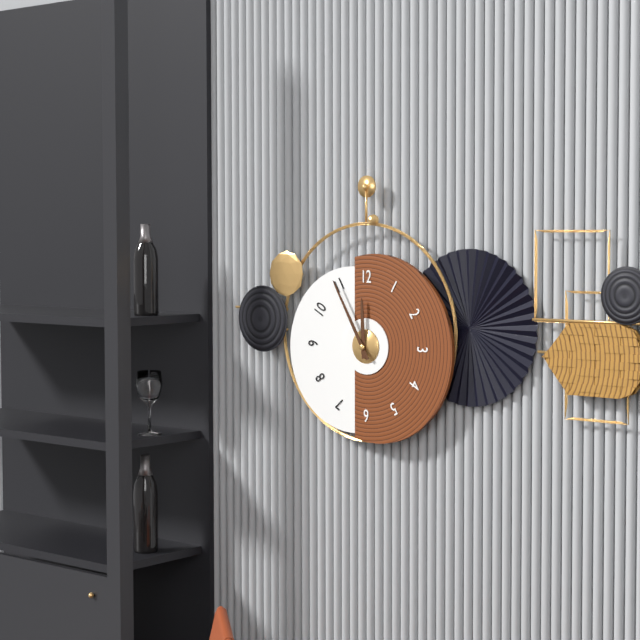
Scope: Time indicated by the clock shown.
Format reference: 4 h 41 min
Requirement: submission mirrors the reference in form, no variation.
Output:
11 h 55 min
